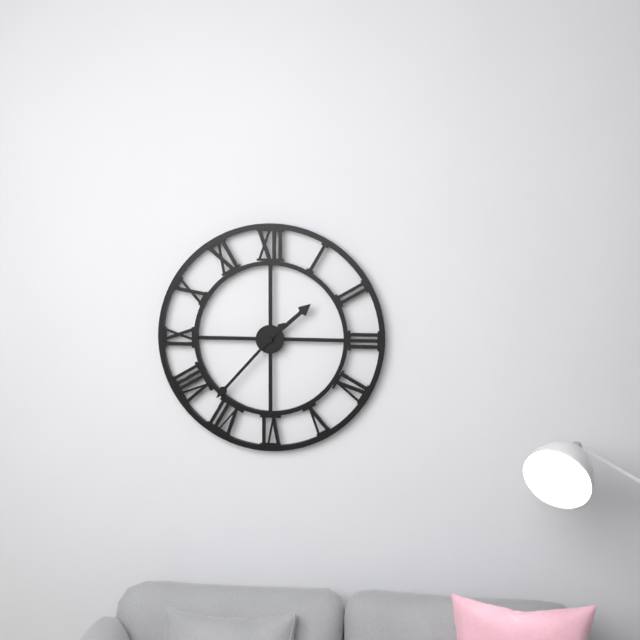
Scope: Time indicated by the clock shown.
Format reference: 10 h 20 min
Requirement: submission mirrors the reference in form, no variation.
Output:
1 h 37 min
